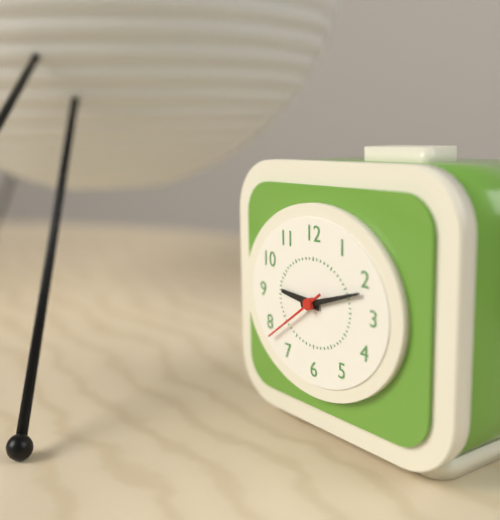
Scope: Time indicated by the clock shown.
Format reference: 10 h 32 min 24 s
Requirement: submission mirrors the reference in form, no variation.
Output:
9 h 12 min 39 s
